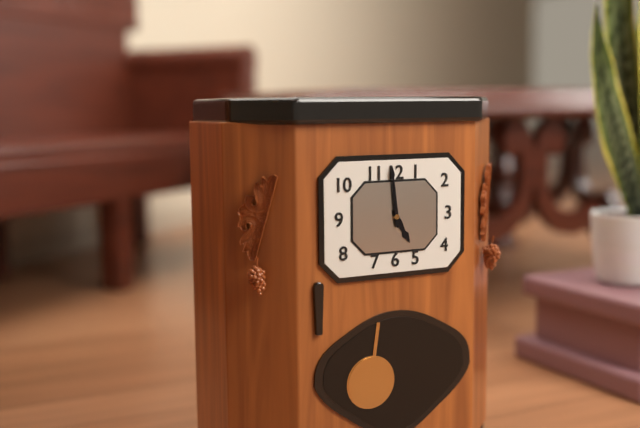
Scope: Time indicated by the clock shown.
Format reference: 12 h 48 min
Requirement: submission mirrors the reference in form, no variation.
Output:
4 h 59 min
